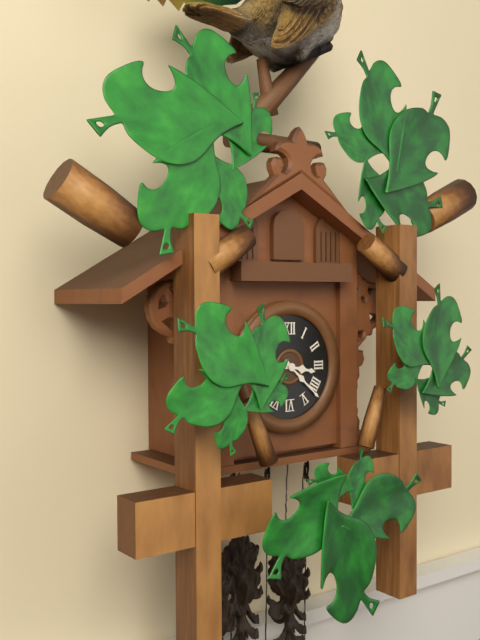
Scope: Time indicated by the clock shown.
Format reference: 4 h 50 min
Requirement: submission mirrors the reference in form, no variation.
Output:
3 h 22 min
